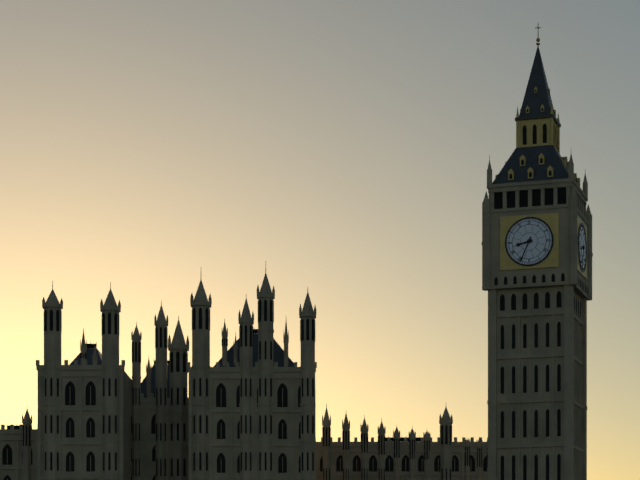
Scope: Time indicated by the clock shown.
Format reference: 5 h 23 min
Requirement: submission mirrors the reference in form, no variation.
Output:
8 h 34 min
